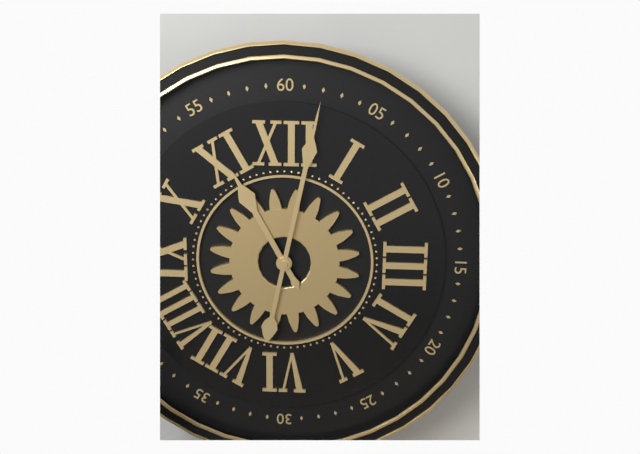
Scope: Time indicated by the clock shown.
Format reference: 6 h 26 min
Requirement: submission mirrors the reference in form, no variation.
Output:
11 h 02 min
